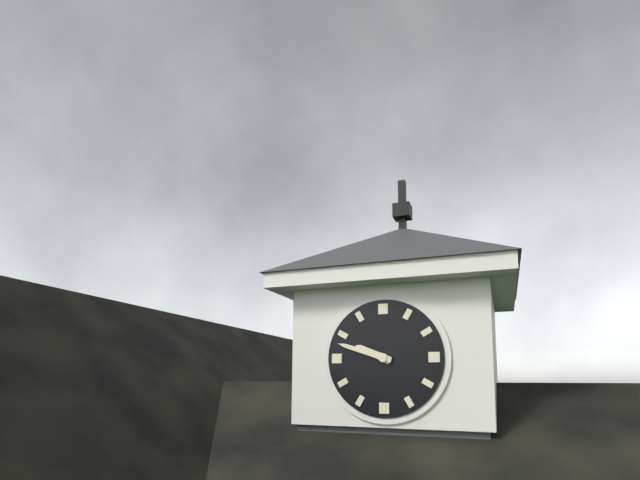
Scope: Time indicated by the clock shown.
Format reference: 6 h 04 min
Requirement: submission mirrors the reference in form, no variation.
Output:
9 h 48 min
